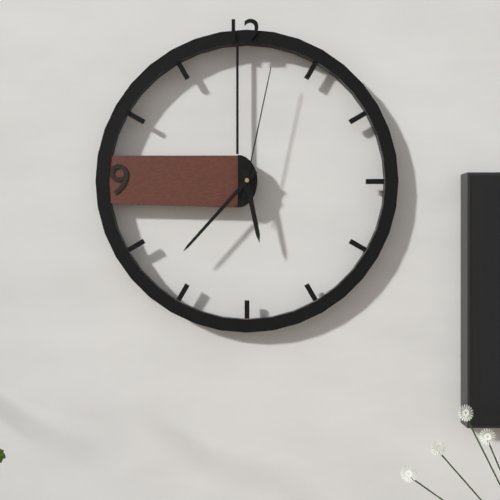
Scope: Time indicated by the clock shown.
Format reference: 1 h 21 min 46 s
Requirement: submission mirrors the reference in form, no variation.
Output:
5 h 37 min 02 s
